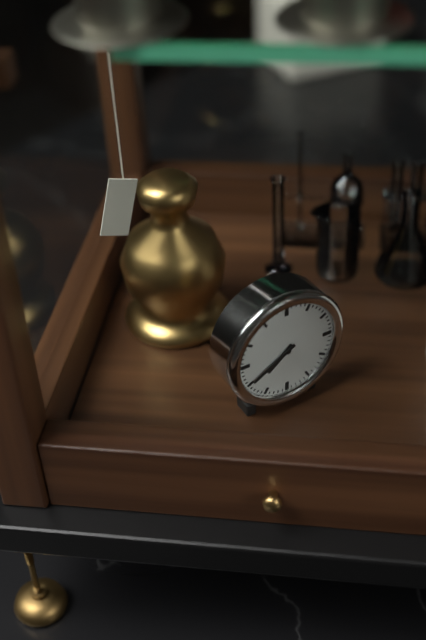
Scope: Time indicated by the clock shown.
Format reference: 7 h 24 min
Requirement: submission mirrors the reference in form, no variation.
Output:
7 h 40 min
